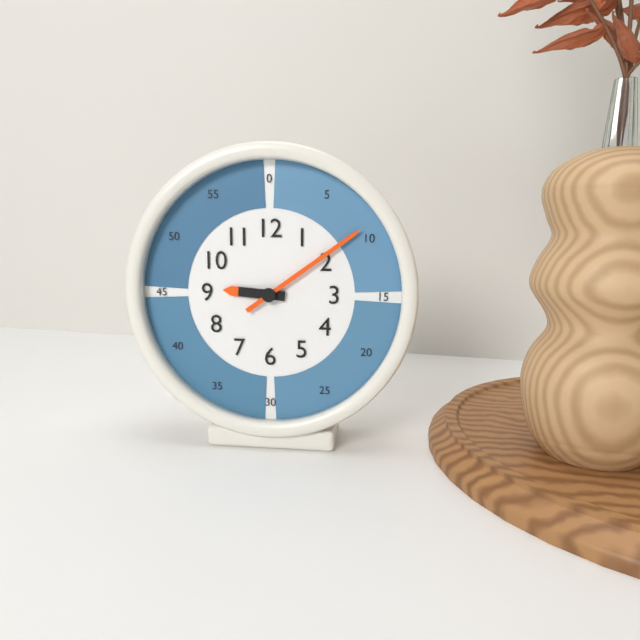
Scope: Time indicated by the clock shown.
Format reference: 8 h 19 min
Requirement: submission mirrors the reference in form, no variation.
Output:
9 h 09 min
